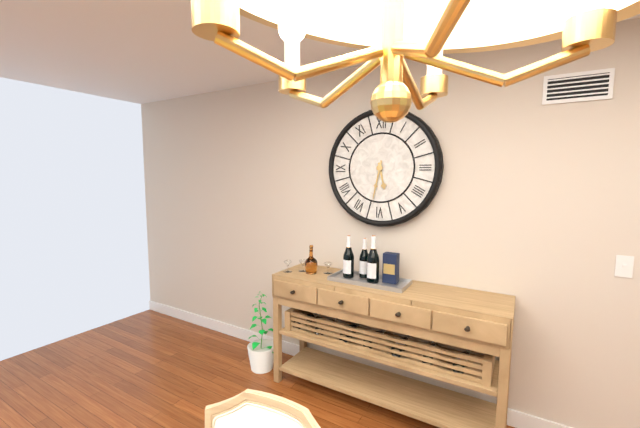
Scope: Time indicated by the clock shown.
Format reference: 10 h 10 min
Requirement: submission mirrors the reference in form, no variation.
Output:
5 h 32 min
